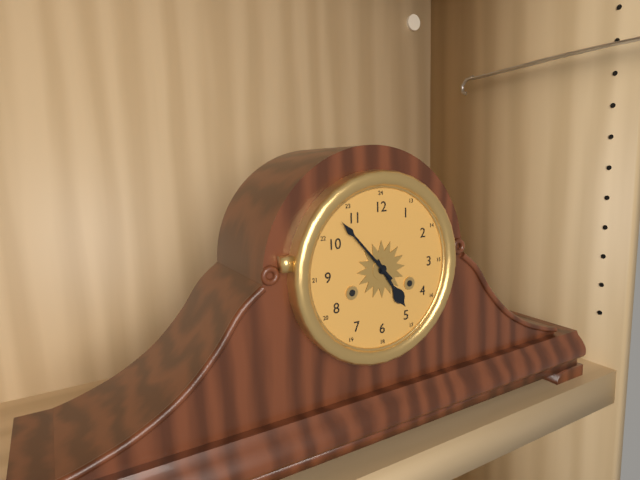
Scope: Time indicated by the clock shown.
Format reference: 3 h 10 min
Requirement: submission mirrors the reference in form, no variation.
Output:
4 h 53 min
